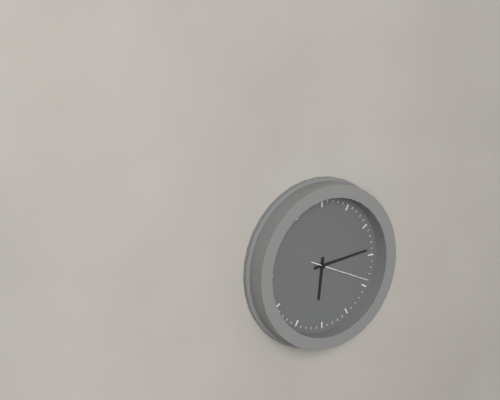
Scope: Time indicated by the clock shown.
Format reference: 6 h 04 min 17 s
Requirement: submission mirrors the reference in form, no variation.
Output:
6 h 14 min 19 s
